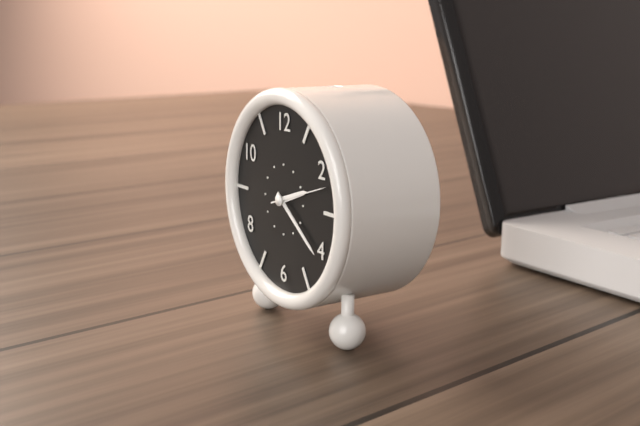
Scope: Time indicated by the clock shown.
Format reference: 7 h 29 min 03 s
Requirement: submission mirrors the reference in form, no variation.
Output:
2 h 21 min 12 s
